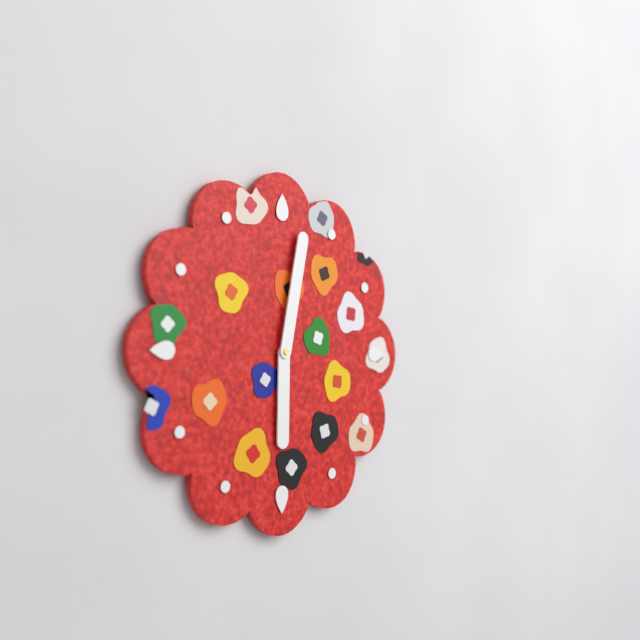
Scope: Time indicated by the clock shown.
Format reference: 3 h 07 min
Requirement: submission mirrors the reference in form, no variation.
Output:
6 h 02 min
